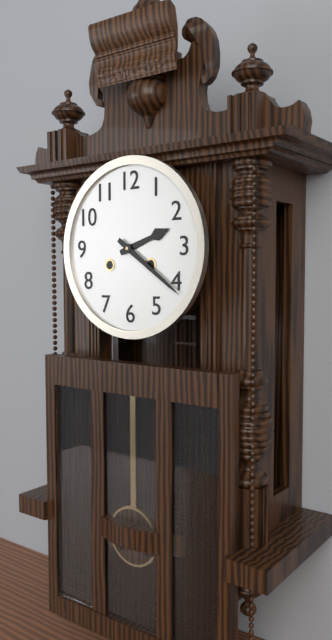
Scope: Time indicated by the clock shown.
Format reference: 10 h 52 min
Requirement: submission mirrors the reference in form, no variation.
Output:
2 h 21 min
